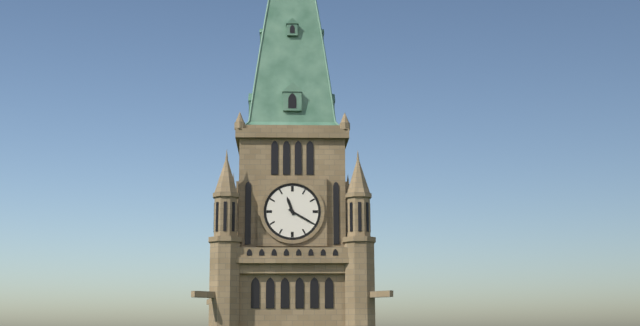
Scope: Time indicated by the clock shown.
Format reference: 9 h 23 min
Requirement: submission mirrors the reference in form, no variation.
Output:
11 h 20 min
